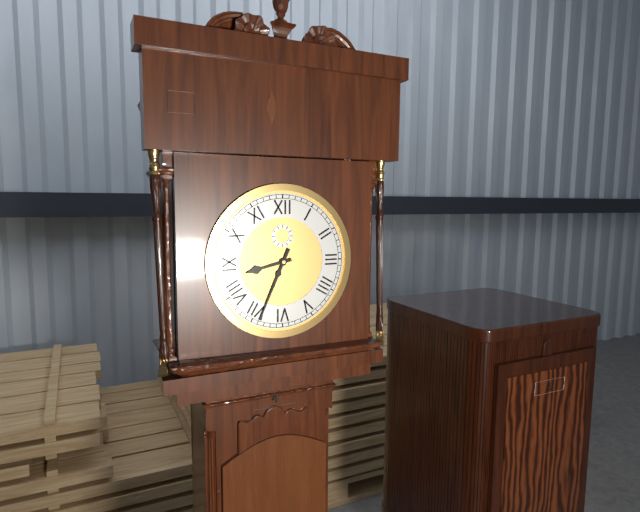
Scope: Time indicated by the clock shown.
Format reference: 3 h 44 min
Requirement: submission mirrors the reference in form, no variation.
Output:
8 h 34 min
